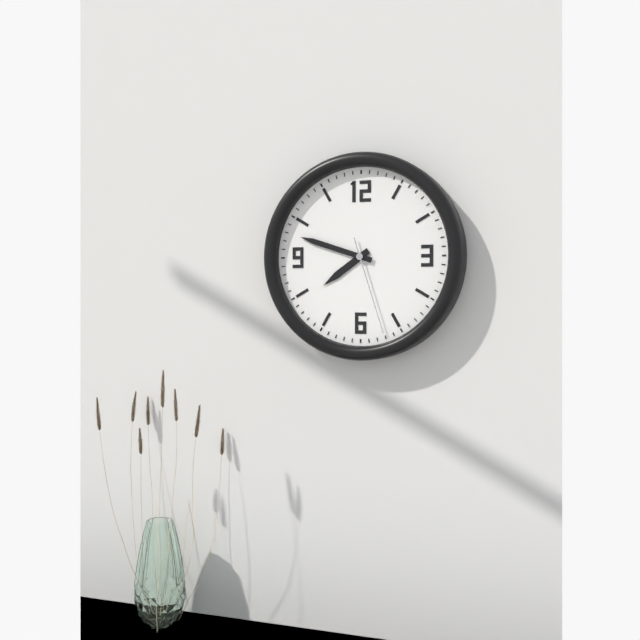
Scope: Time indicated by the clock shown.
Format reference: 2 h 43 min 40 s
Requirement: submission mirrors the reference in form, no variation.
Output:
7 h 48 min 27 s
